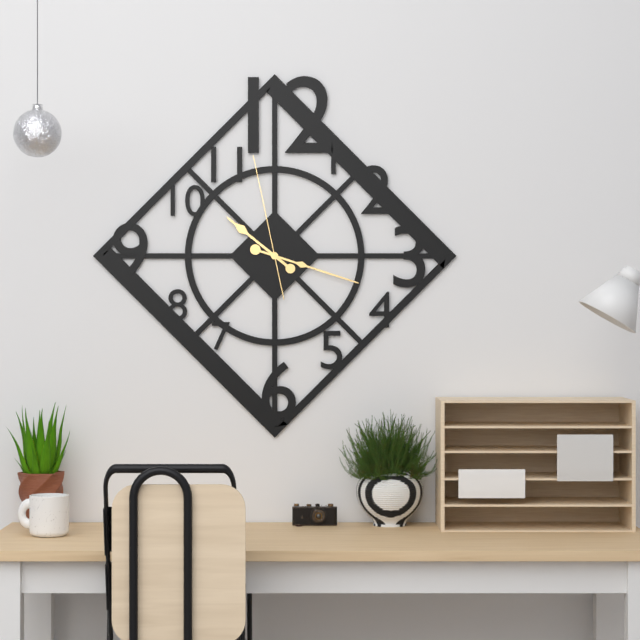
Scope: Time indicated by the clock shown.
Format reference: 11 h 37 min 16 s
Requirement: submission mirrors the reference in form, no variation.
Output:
10 h 18 min 58 s
